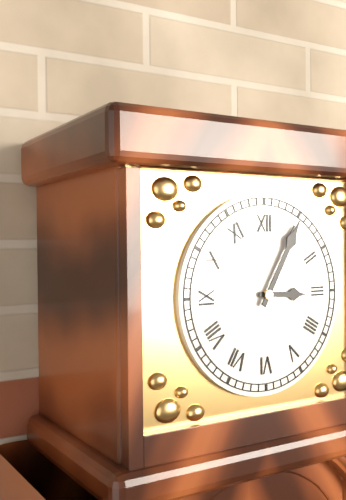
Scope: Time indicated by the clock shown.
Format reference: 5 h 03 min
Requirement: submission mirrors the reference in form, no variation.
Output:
3 h 05 min
